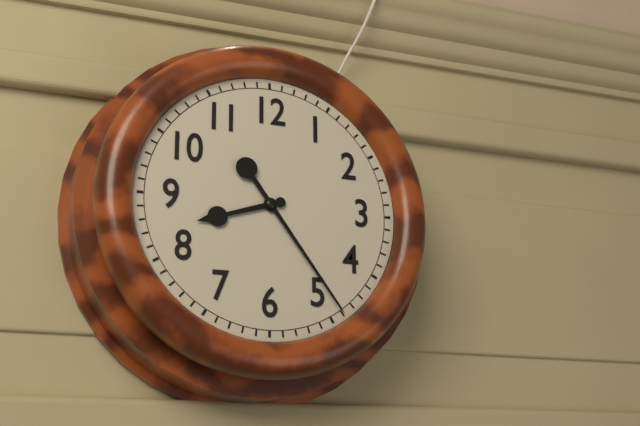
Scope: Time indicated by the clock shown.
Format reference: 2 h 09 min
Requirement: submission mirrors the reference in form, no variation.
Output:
8 h 24 min
